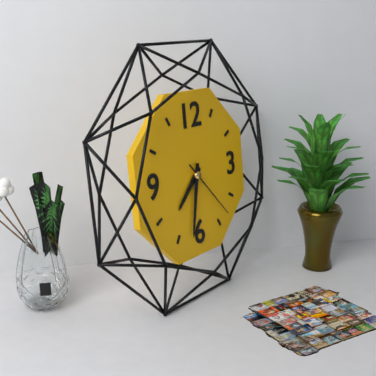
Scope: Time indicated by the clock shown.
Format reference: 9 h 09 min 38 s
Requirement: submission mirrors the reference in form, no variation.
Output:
7 h 32 min 23 s
